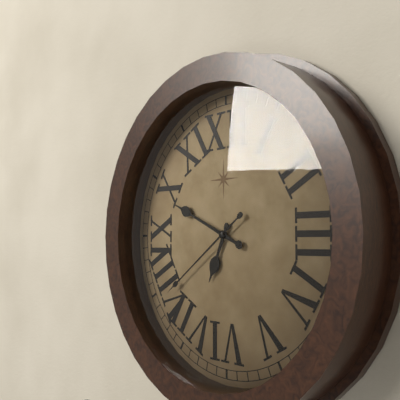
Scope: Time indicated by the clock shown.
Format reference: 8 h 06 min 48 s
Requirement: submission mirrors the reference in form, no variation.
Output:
6 h 49 min 39 s
